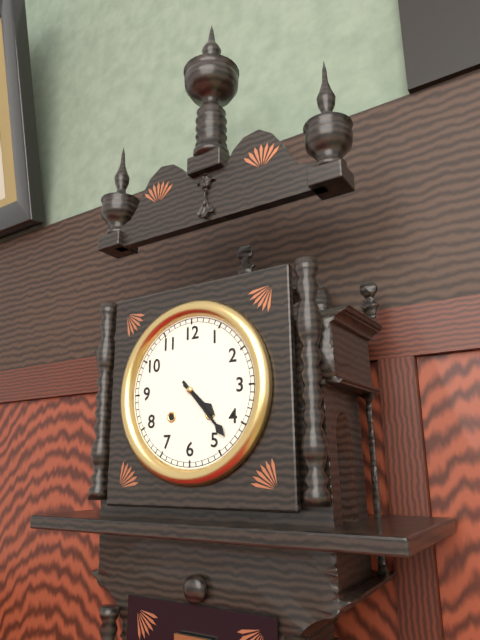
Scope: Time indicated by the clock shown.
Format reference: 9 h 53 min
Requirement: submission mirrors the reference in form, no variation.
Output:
4 h 23 min
